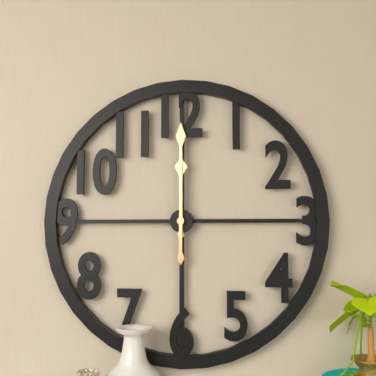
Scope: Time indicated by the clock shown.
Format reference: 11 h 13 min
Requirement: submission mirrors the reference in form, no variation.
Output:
12 h 00 min
